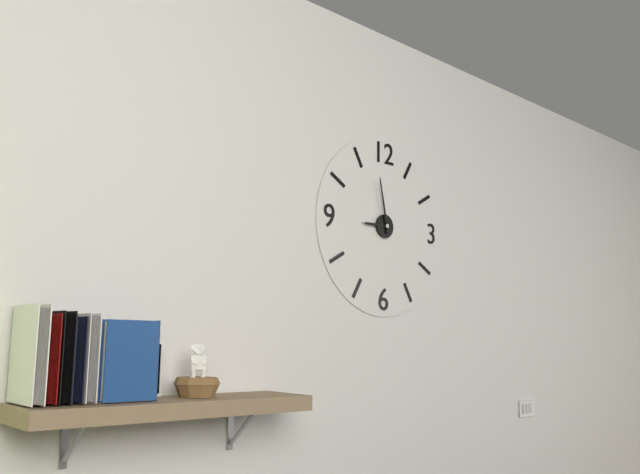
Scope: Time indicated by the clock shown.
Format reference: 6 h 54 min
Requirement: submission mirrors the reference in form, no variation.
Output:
8 h 58 min
